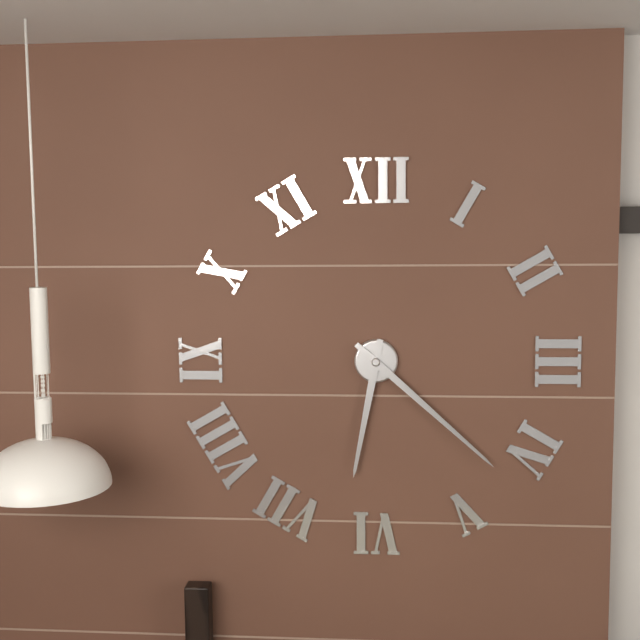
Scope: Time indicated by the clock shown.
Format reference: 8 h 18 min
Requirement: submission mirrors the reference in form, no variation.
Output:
6 h 22 min
